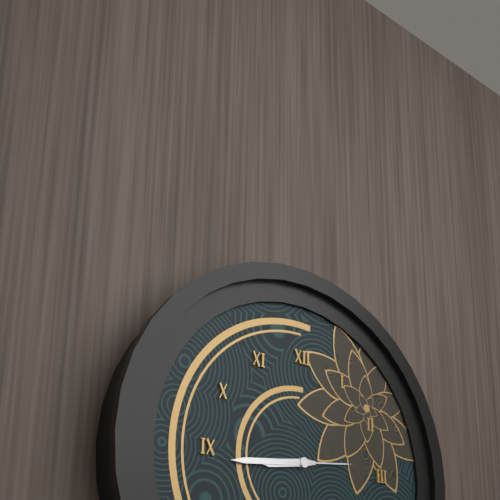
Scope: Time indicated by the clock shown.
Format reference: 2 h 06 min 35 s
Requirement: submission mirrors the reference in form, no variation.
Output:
8 h 44 min 14 s
